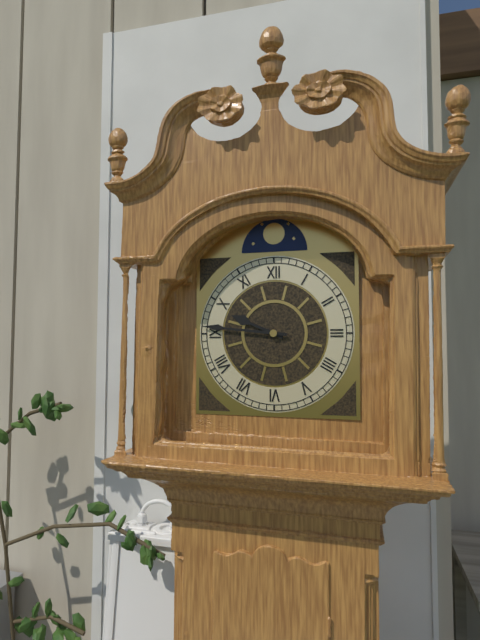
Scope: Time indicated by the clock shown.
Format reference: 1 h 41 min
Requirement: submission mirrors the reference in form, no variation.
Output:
9 h 46 min
